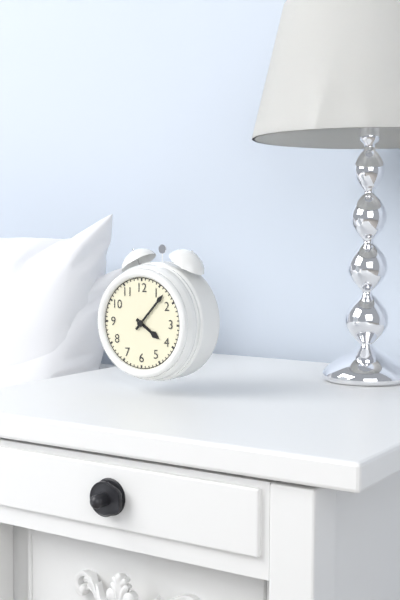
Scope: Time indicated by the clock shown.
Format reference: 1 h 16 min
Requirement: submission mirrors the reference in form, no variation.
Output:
4 h 07 min
